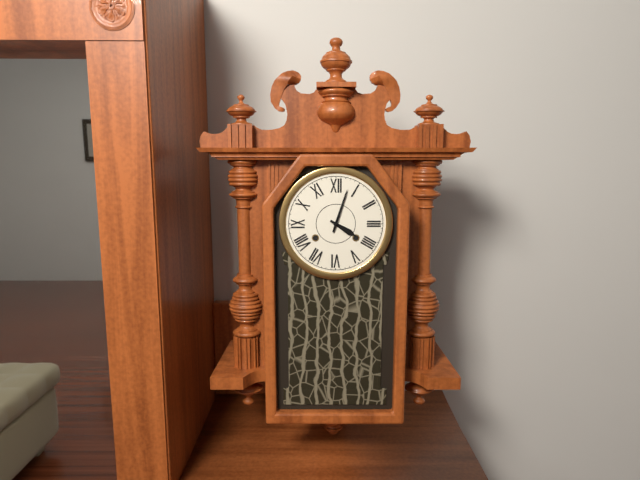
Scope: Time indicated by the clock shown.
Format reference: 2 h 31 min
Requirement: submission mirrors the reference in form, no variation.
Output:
4 h 03 min
